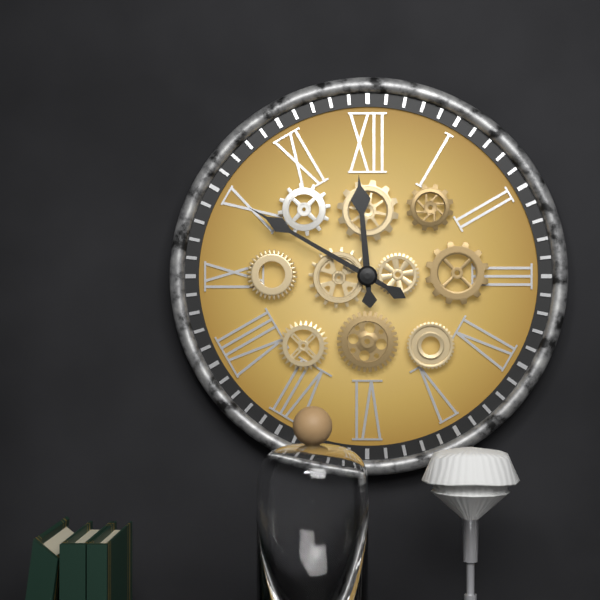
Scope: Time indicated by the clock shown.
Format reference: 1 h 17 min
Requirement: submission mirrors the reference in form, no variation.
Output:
11 h 50 min
